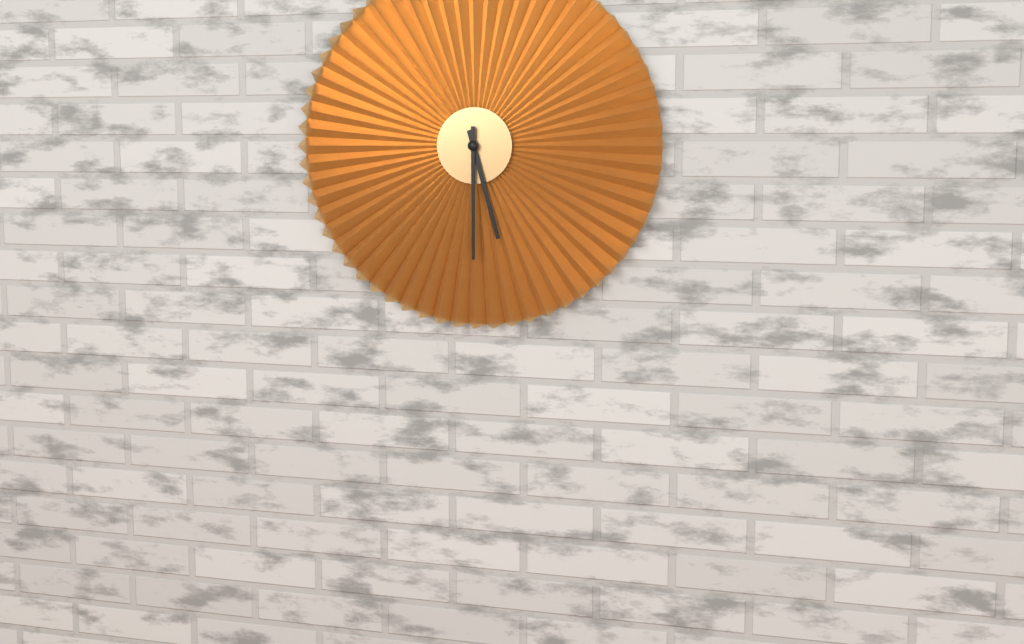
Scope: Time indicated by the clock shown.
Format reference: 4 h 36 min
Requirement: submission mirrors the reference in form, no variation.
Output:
5 h 30 min
